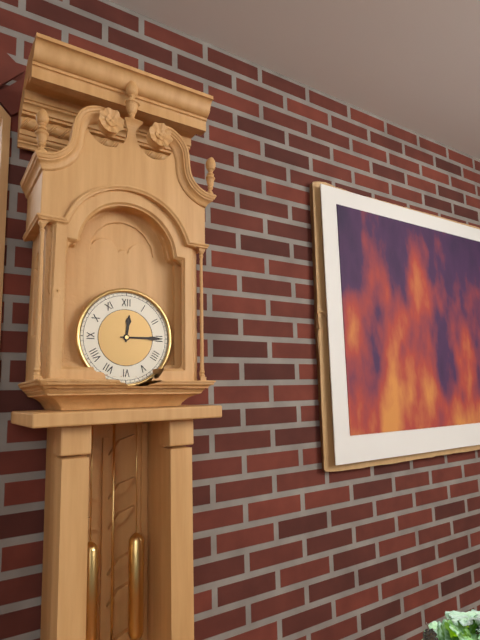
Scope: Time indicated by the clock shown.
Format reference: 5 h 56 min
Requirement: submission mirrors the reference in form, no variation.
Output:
12 h 15 min
